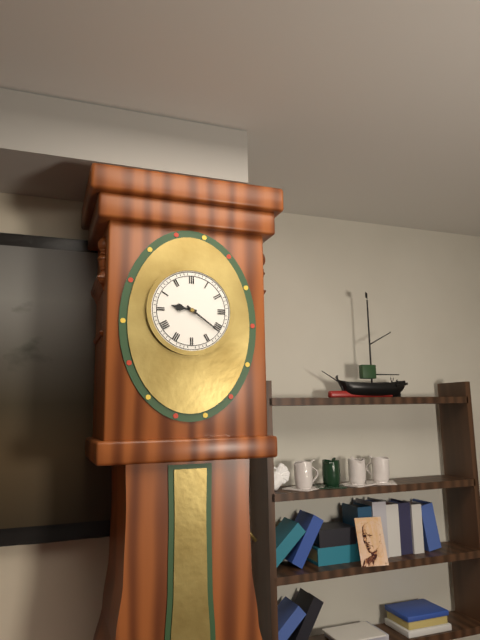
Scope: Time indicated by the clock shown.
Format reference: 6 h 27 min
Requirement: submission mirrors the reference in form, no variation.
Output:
9 h 21 min
